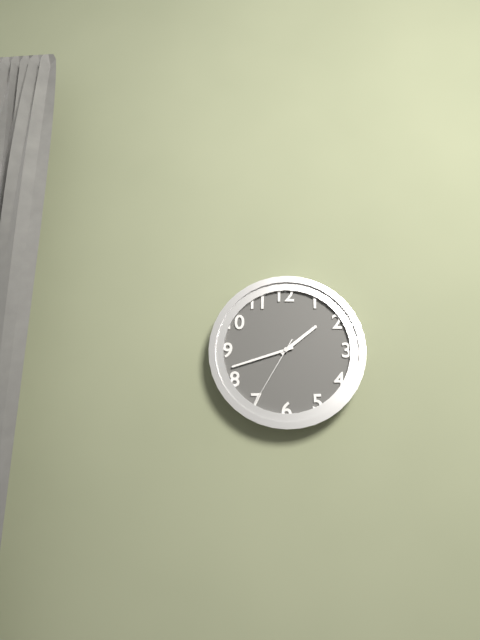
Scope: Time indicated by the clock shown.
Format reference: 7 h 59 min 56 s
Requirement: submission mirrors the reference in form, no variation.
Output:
1 h 42 min 35 s
